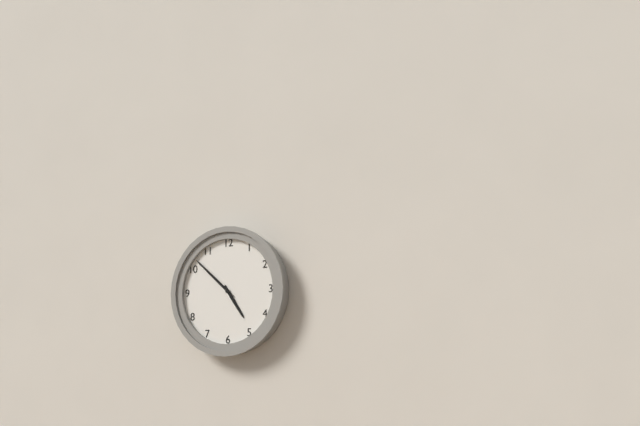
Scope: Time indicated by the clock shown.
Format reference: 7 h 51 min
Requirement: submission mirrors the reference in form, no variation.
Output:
4 h 52 min
